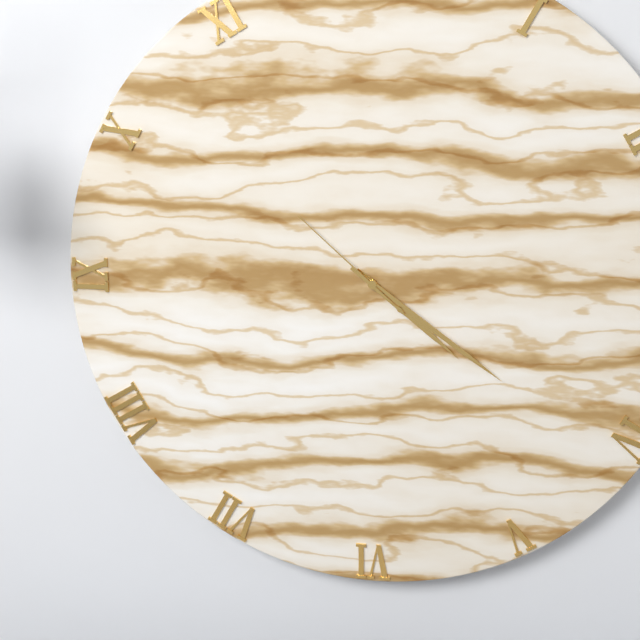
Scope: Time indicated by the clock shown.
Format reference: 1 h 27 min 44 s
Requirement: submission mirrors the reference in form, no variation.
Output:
4 h 21 min 52 s
